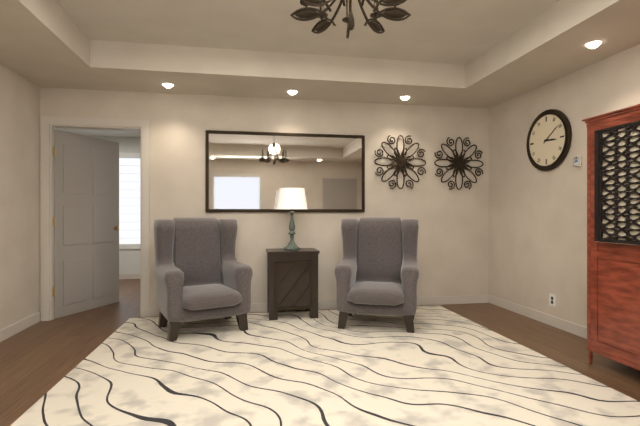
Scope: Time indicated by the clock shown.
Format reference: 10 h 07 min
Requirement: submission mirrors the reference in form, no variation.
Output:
3 h 09 min
